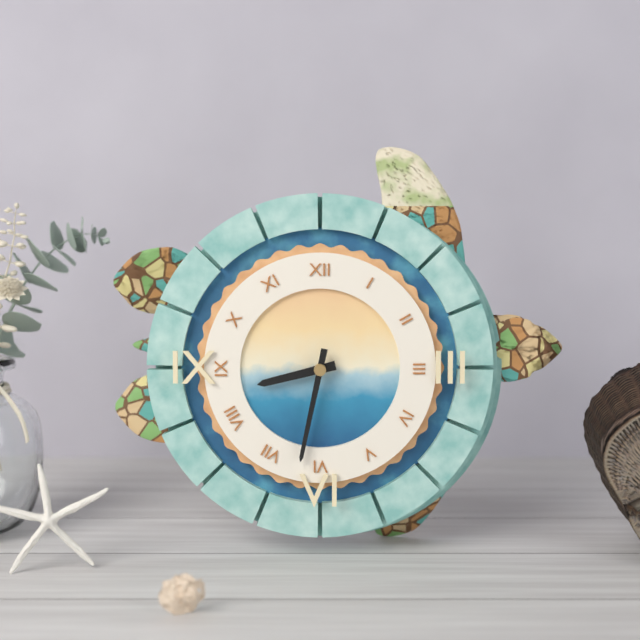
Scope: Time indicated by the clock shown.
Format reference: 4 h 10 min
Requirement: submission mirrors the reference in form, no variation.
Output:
8 h 32 min
